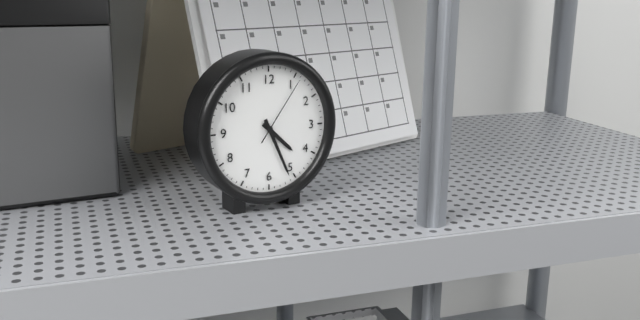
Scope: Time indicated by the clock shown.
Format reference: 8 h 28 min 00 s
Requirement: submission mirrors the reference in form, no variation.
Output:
4 h 26 min 06 s
